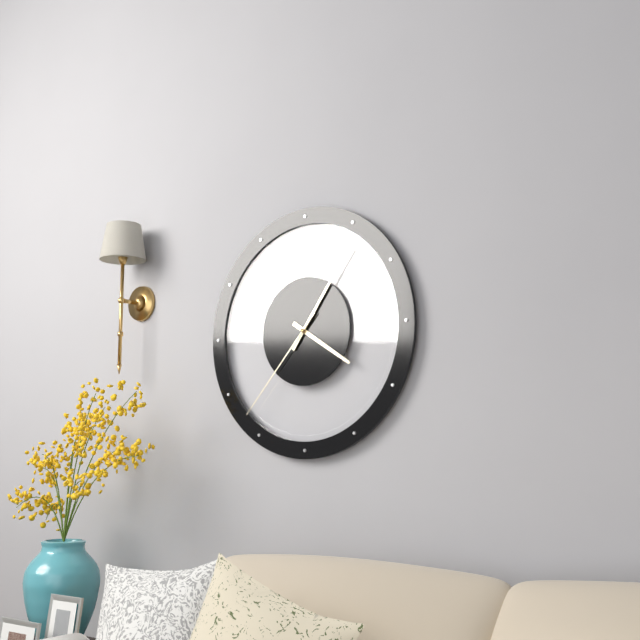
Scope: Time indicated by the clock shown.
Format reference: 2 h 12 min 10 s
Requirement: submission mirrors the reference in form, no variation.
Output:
4 h 06 min 37 s
